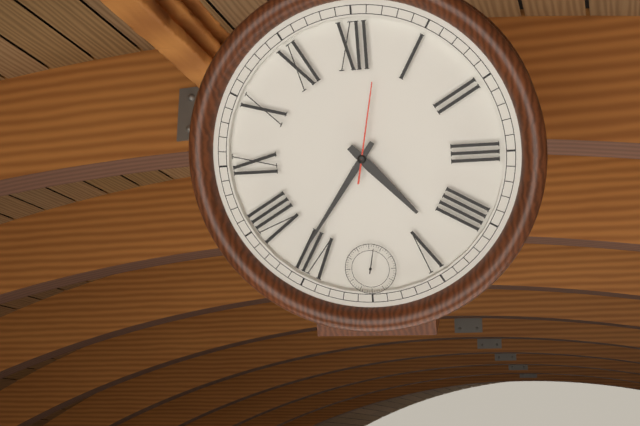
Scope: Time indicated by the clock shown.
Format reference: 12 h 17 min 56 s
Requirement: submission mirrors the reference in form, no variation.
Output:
4 h 36 min 02 s
